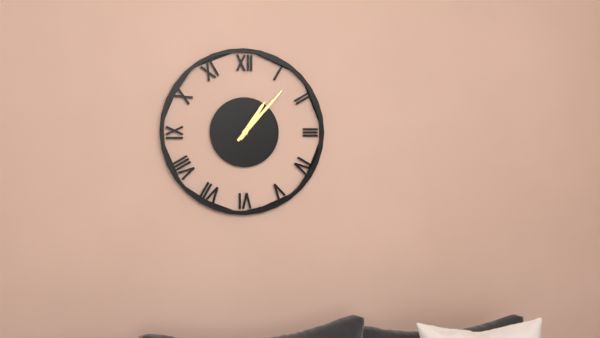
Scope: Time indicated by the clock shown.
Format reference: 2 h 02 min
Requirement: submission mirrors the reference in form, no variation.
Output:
1 h 07 min
